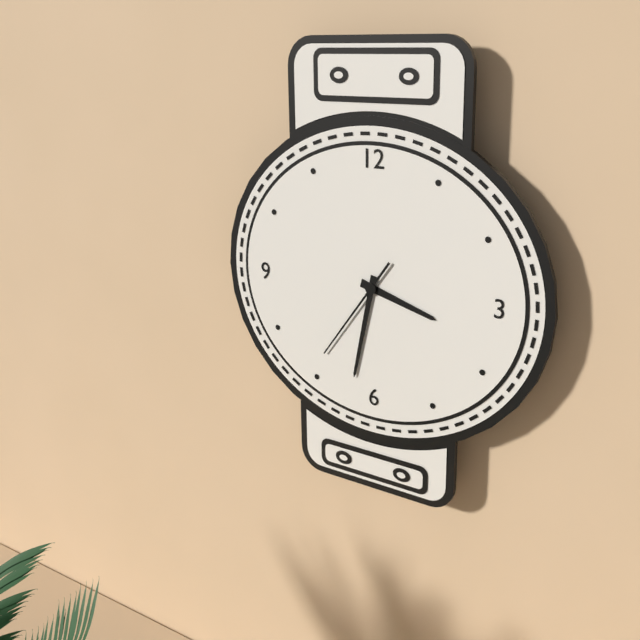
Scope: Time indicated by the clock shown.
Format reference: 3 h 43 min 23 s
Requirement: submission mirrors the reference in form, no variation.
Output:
3 h 32 min 36 s
